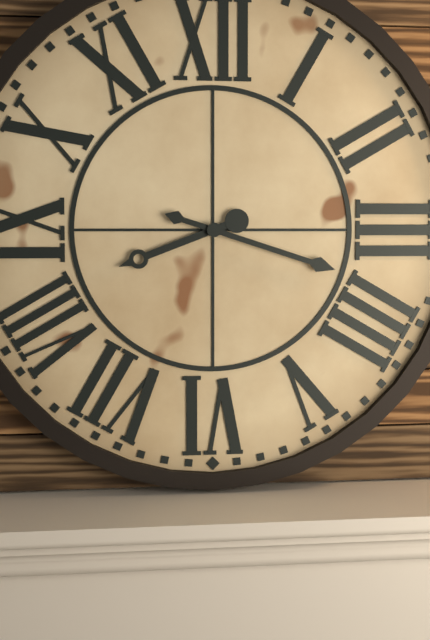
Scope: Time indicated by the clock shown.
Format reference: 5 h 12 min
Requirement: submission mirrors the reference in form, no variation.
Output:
8 h 18 min
